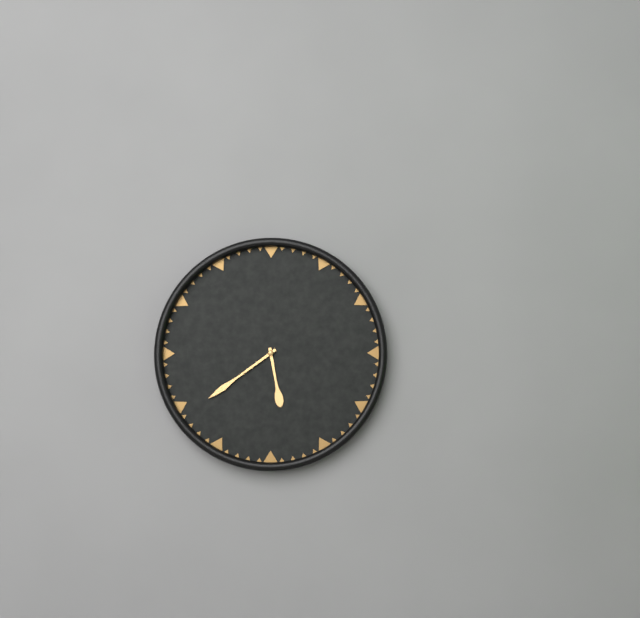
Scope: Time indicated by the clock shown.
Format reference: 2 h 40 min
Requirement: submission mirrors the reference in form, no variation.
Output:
5 h 39 min
